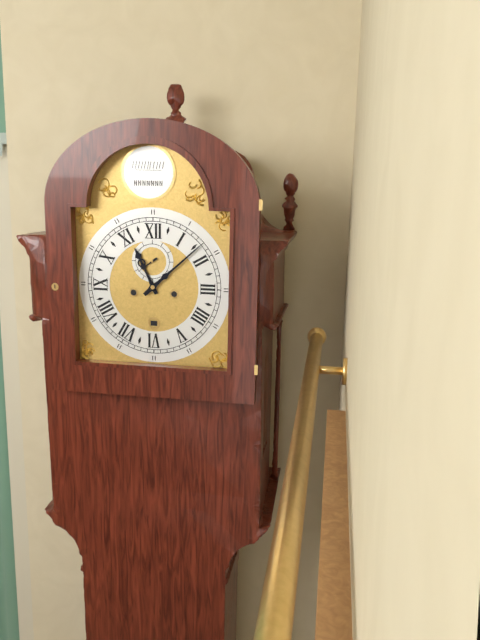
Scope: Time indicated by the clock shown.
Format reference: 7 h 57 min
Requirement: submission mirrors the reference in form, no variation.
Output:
11 h 08 min
